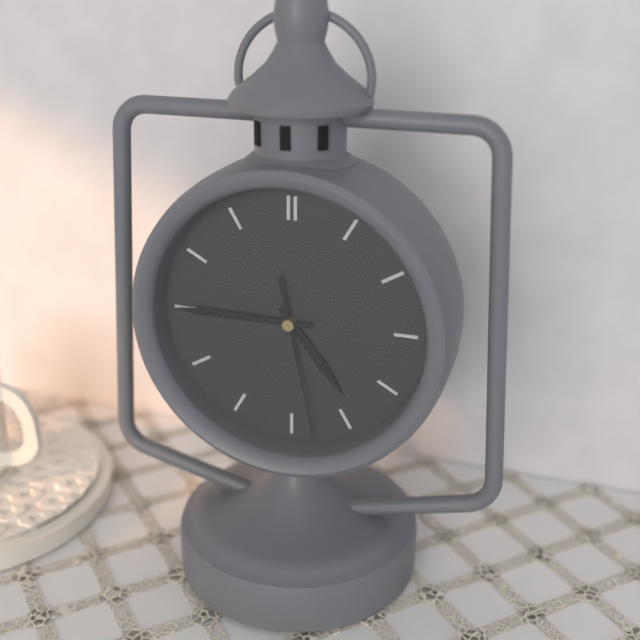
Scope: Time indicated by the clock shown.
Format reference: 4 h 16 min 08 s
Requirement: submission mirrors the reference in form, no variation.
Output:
4 h 45 min 28 s
